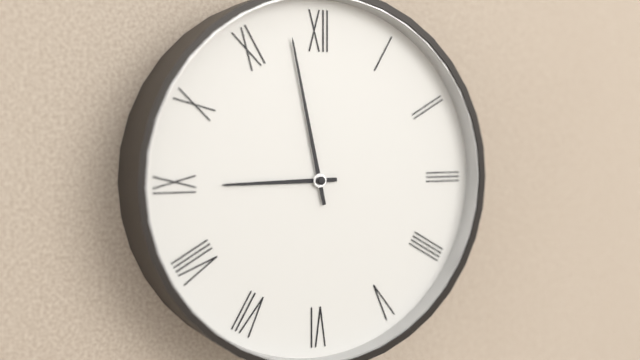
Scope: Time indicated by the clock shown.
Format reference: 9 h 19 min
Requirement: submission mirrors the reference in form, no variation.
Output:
8 h 58 min
